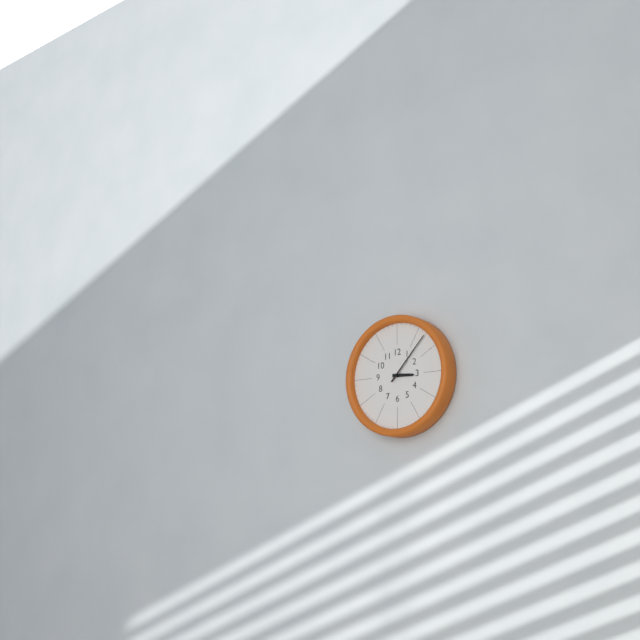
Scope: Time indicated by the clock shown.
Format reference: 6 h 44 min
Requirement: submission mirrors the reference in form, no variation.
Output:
3 h 07 min
